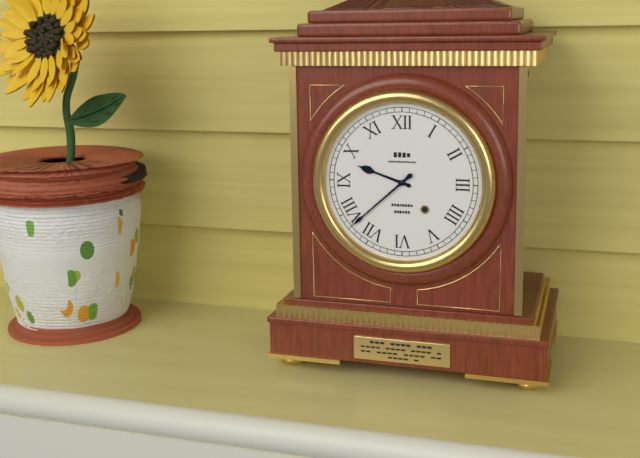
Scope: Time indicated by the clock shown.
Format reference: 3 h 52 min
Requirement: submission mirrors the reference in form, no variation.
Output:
9 h 38 min
